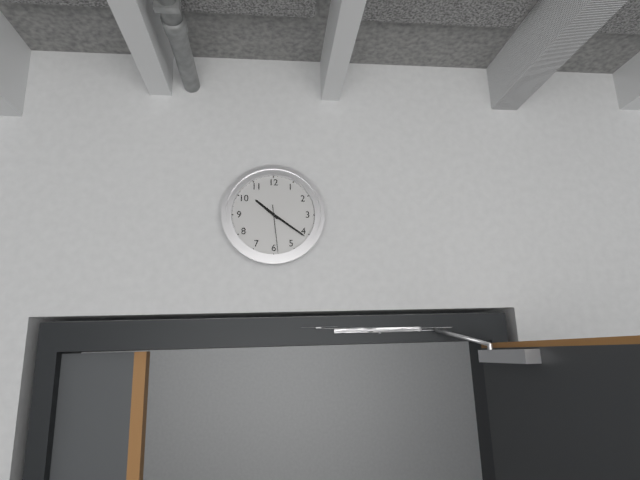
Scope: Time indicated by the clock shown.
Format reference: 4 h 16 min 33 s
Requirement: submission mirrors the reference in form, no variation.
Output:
10 h 21 min 29 s
